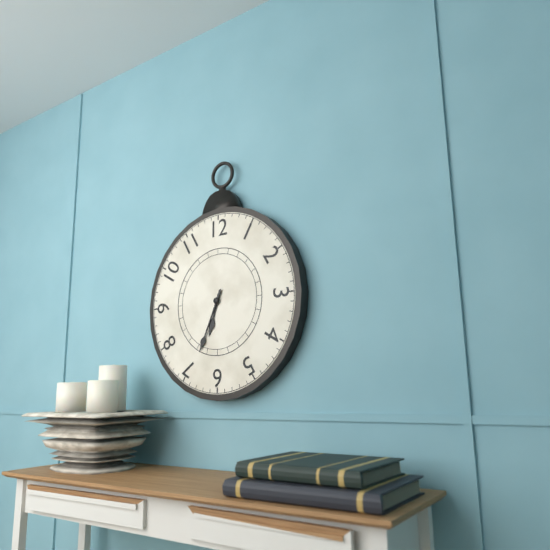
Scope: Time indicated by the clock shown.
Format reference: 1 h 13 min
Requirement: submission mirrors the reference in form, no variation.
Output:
6 h 34 min
